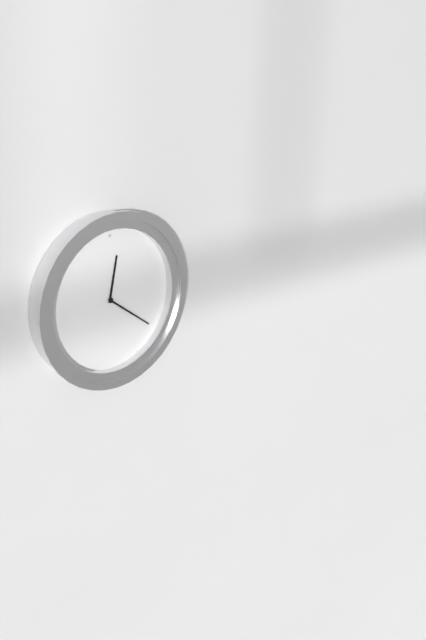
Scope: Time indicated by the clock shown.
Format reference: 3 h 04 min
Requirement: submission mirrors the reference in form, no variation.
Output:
12 h 21 min
